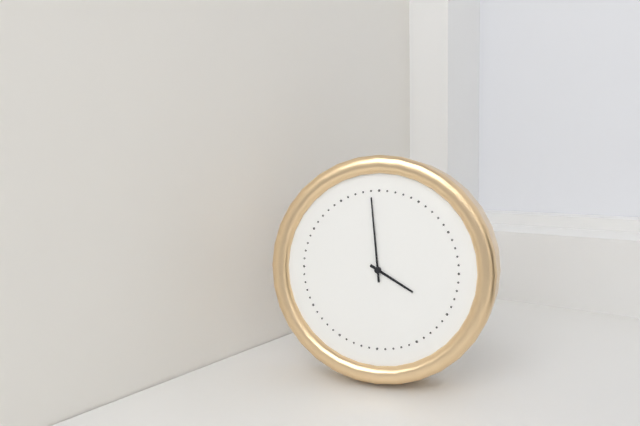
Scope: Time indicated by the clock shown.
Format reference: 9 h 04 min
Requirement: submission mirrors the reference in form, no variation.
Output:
3 h 59 min
